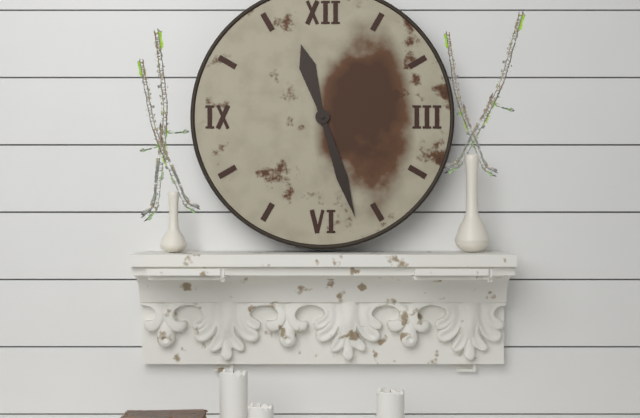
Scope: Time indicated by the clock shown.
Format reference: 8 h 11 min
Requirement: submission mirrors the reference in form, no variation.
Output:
11 h 27 min
